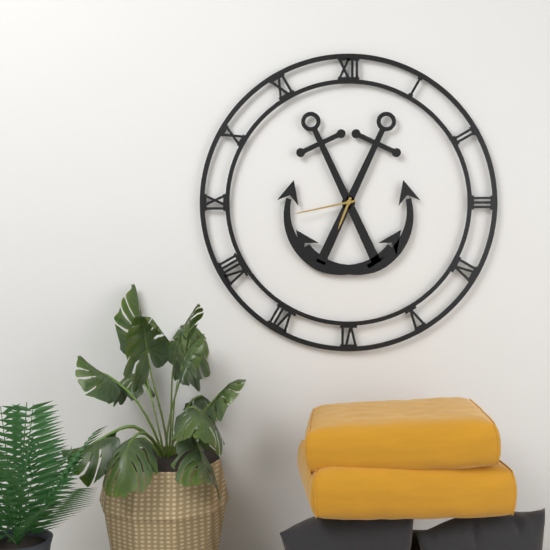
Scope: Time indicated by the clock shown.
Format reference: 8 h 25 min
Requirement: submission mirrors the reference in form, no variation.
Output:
6 h 43 min
